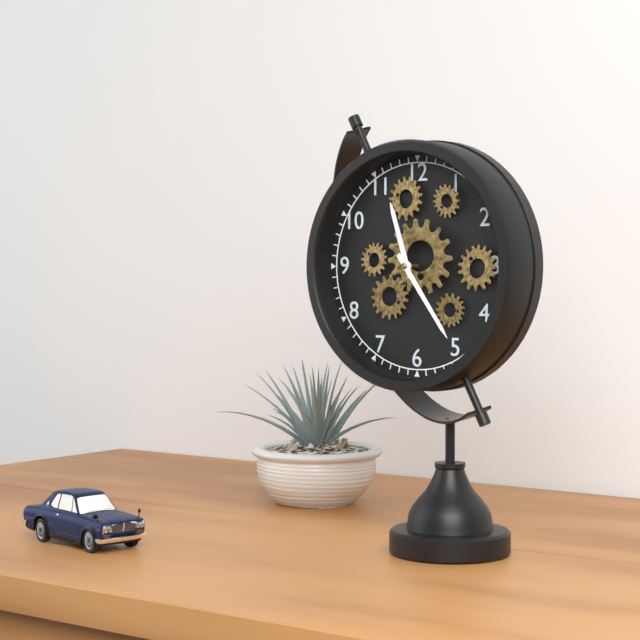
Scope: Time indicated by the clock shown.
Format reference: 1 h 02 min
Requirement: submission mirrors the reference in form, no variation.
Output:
11 h 24 min
